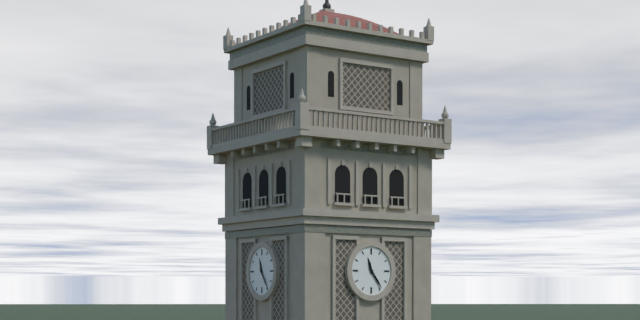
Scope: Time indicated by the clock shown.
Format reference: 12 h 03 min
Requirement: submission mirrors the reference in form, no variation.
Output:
11 h 24 min
